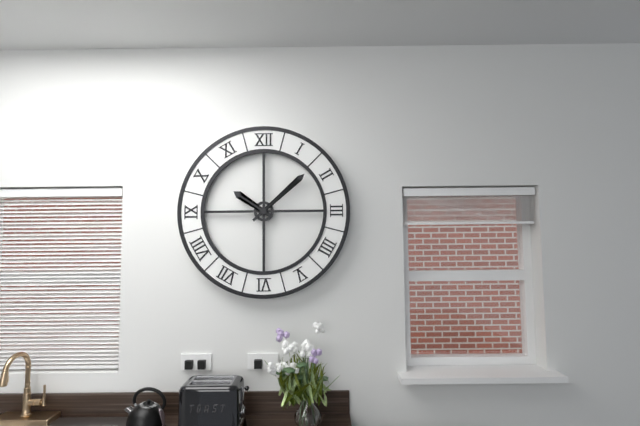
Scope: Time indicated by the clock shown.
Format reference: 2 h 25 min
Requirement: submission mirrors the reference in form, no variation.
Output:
10 h 08 min
